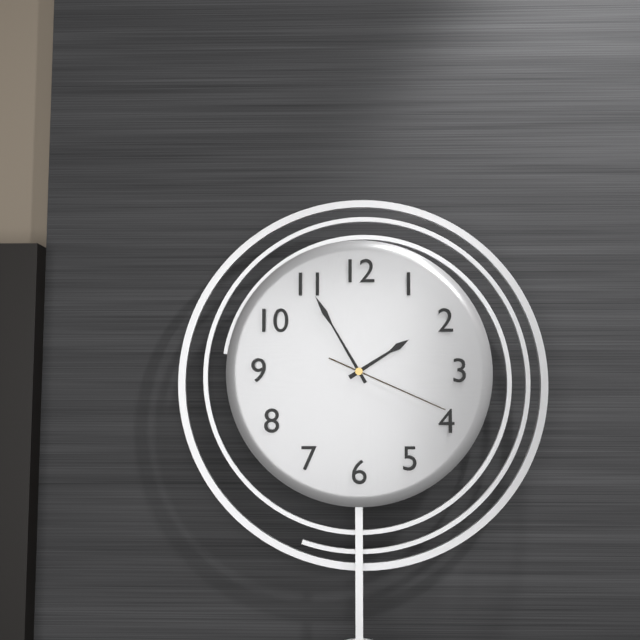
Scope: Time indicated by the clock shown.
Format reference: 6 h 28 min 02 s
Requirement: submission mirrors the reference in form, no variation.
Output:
1 h 55 min 19 s
